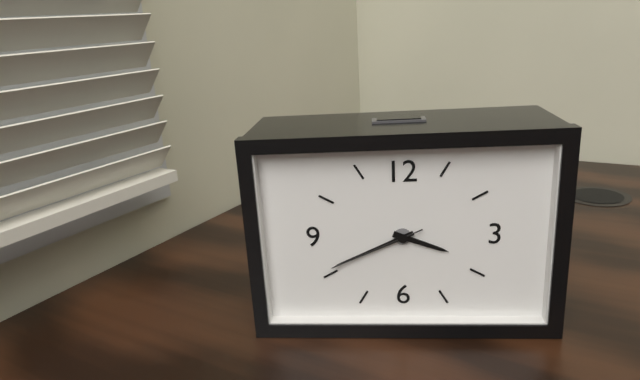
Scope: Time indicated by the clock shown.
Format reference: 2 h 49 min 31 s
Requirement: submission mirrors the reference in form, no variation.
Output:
3 h 41 min 41 s
